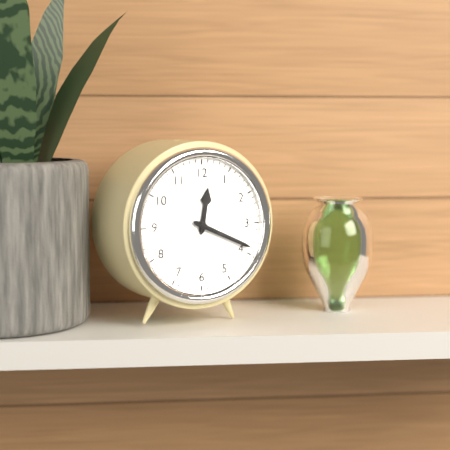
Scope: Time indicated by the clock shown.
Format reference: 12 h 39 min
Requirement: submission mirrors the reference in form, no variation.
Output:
12 h 19 min
